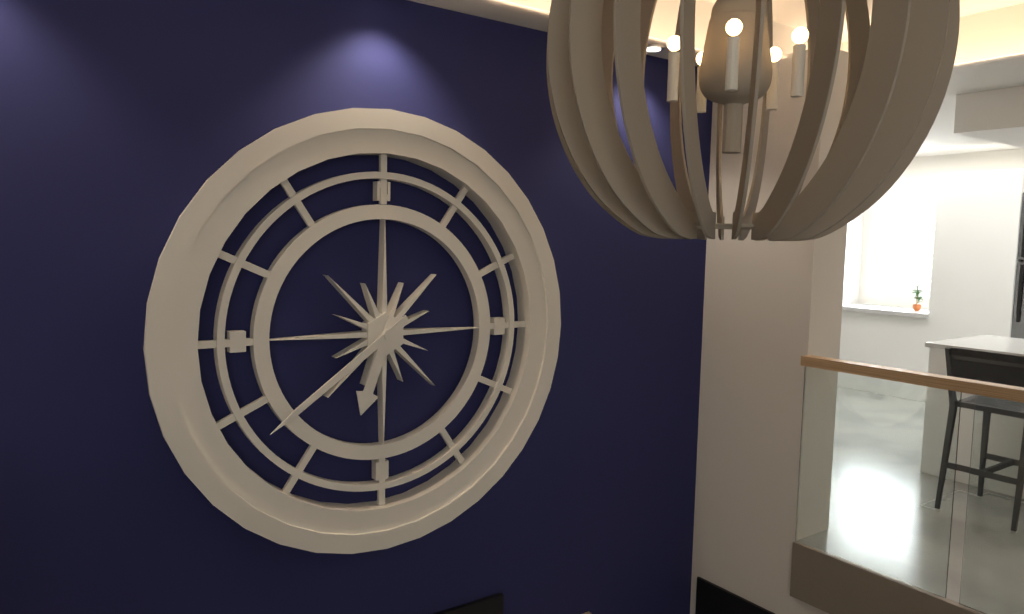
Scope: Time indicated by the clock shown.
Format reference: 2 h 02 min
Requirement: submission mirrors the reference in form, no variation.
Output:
6 h 39 min
